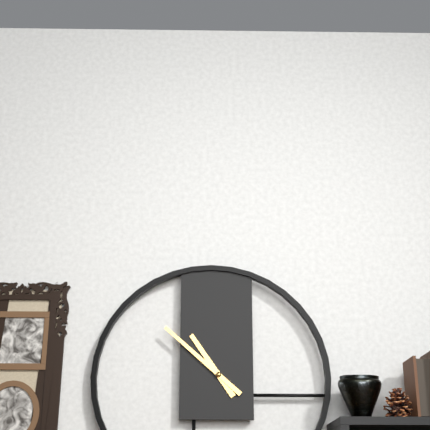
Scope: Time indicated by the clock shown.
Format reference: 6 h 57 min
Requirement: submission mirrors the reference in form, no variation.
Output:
10 h 52 min
